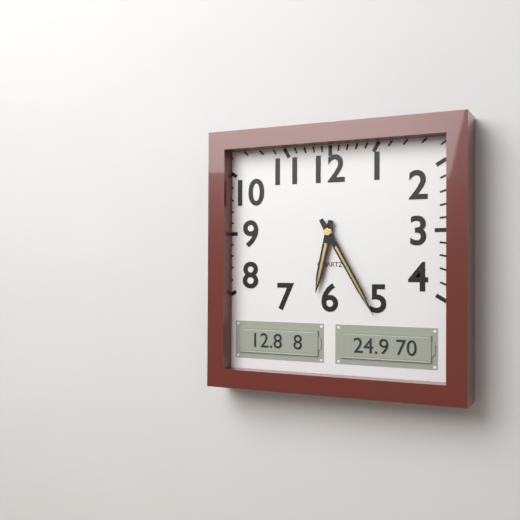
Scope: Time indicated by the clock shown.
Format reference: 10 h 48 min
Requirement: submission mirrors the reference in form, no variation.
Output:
6 h 25 min
